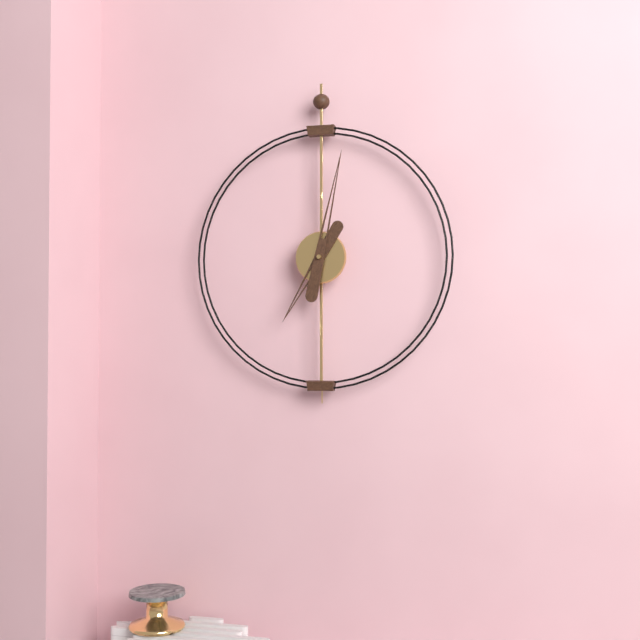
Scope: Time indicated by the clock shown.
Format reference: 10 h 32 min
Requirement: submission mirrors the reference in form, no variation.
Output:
7 h 02 min
